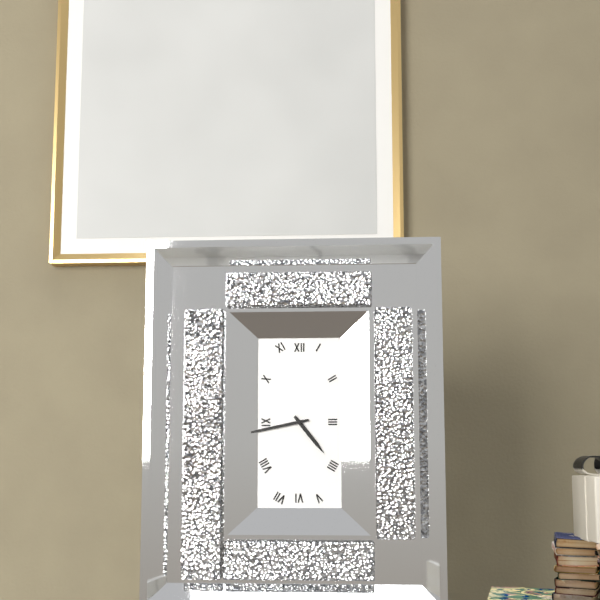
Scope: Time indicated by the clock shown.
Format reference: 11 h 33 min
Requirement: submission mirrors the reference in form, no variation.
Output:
4 h 43 min
